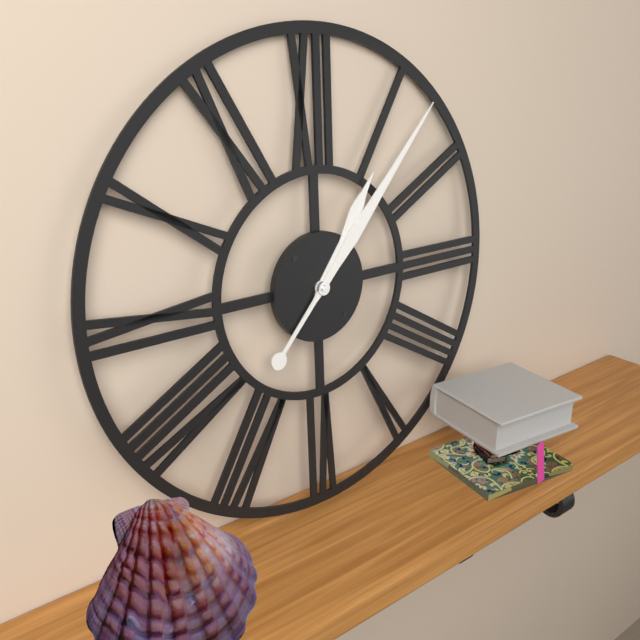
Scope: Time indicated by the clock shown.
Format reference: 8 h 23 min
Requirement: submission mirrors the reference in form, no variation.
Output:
1 h 07 min
